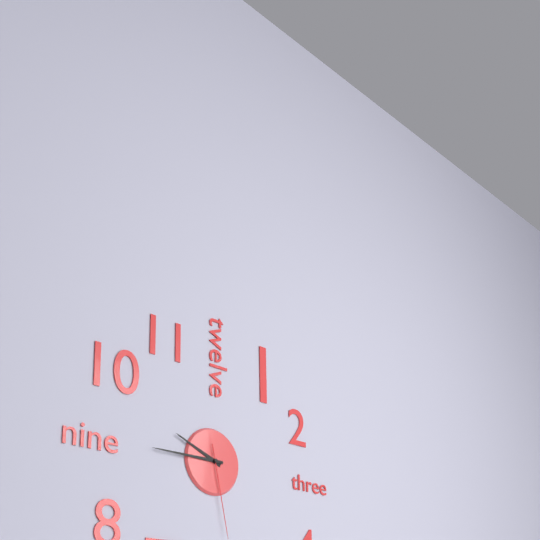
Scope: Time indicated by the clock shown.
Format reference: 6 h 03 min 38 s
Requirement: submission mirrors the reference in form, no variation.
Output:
9 h 45 min 28 s
